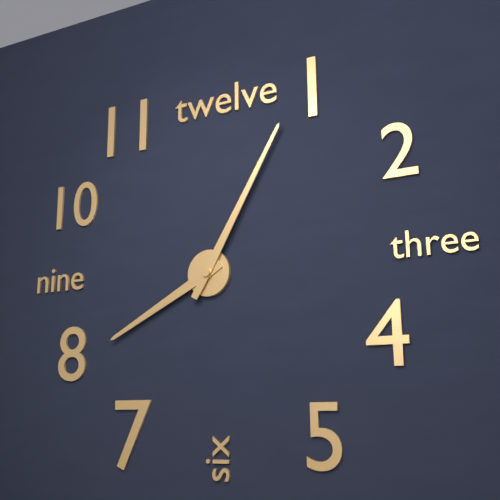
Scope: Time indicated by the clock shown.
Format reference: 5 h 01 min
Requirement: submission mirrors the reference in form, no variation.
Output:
8 h 05 min
